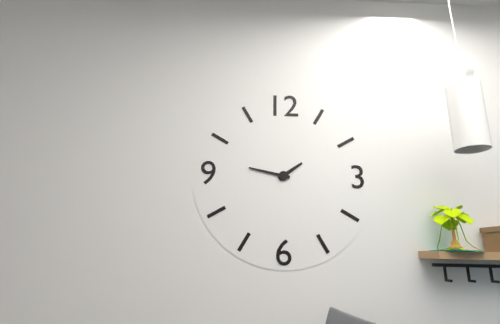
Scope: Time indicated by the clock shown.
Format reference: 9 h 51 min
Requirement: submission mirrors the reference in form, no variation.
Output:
1 h 47 min
